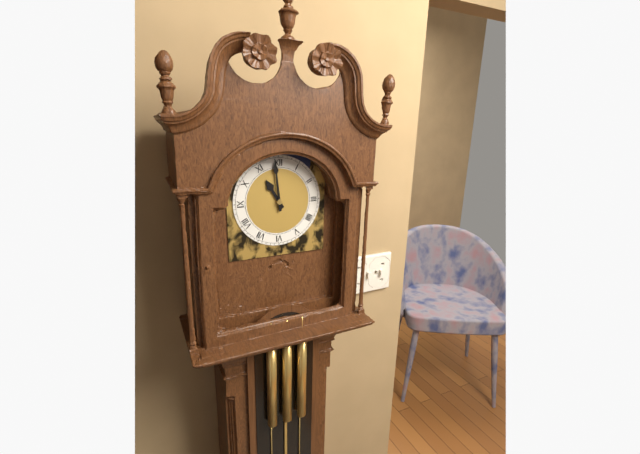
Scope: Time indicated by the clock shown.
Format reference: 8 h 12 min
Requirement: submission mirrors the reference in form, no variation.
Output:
10 h 59 min
